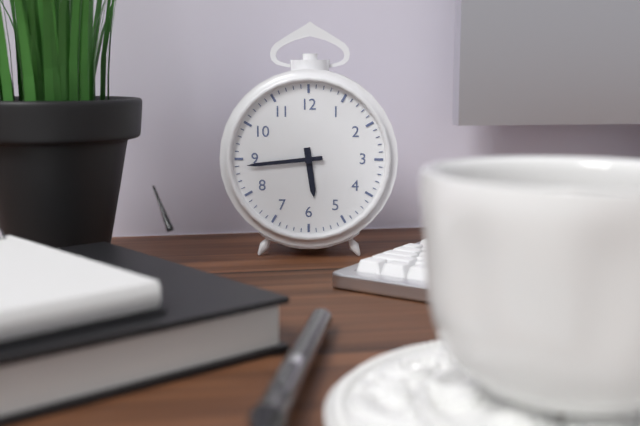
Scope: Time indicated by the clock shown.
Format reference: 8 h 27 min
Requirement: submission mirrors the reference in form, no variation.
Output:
5 h 44 min
